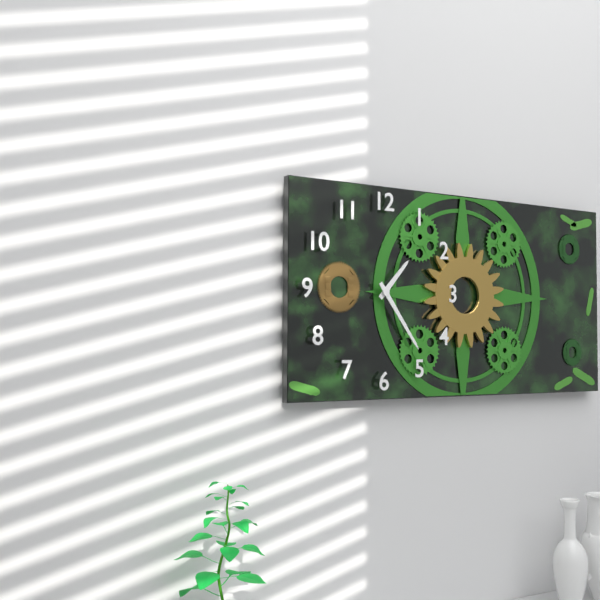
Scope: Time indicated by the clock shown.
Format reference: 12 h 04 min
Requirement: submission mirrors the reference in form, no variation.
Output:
1 h 24 min
